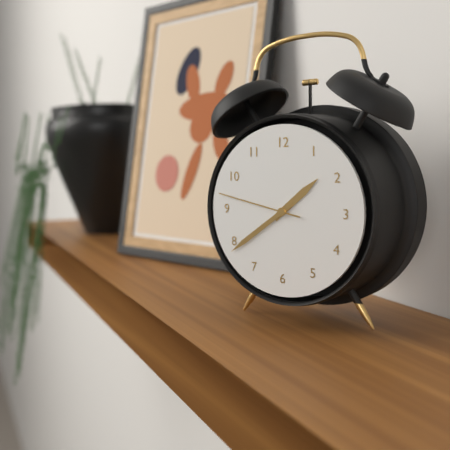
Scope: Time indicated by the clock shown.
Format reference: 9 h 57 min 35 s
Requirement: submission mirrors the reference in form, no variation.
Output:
1 h 39 min 47 s
